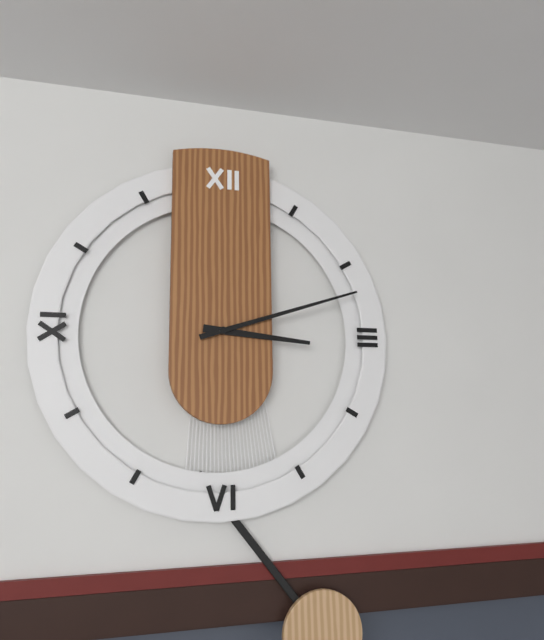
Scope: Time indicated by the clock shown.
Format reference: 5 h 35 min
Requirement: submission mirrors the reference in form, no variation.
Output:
3 h 12 min
